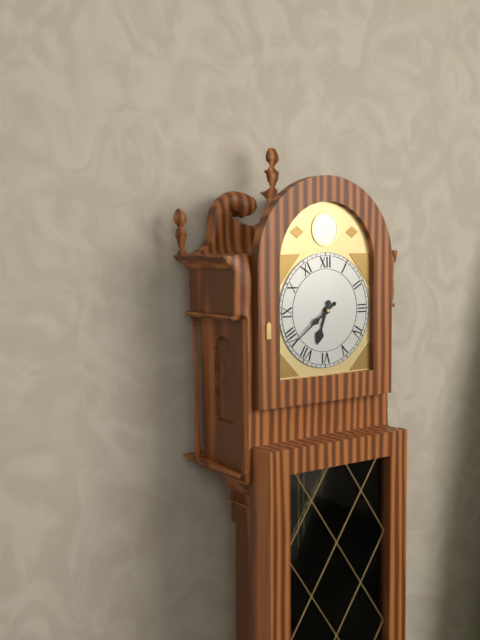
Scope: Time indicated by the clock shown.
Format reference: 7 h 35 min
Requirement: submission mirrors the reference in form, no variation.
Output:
6 h 39 min
